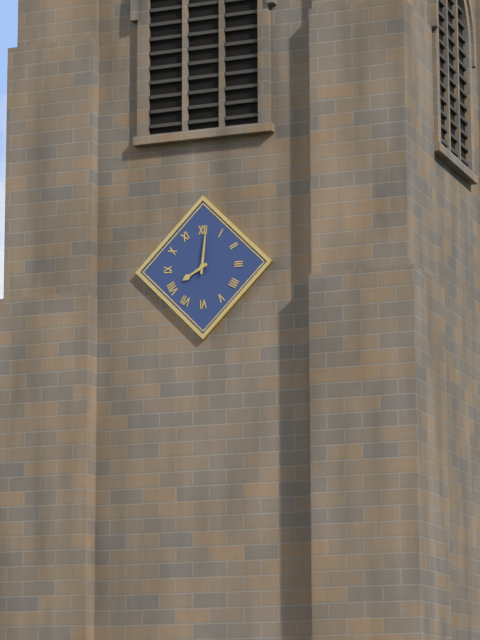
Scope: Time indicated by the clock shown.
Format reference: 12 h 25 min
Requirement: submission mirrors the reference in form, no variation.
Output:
8 h 01 min
